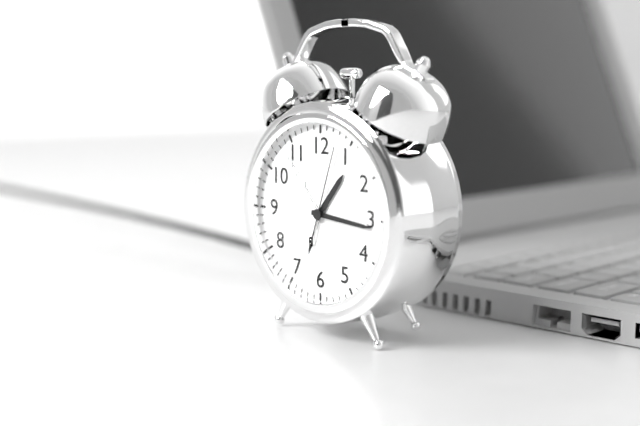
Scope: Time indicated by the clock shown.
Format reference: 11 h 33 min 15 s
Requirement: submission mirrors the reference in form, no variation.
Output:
1 h 16 min 03 s
